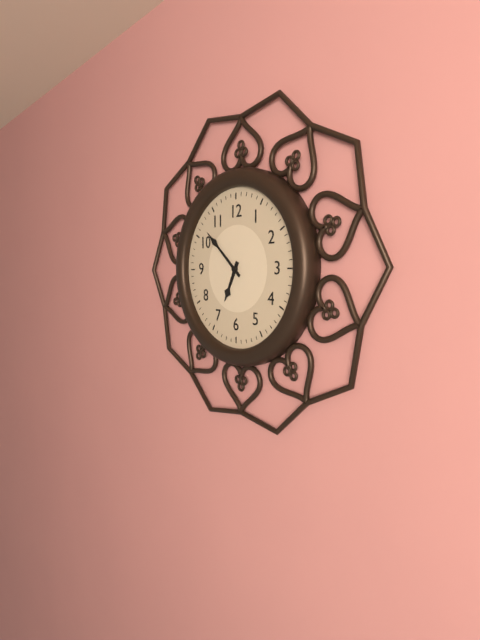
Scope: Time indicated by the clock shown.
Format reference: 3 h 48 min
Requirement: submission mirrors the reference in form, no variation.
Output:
6 h 52 min
